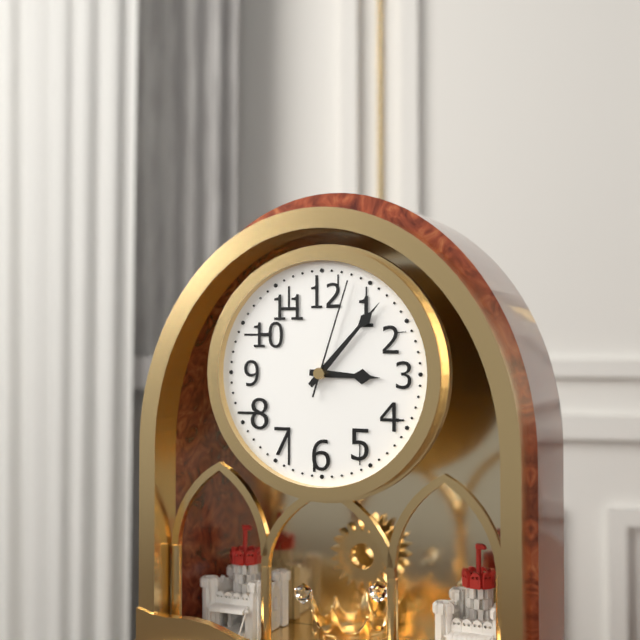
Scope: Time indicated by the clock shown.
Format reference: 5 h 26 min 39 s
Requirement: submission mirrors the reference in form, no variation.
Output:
3 h 07 min 03 s
